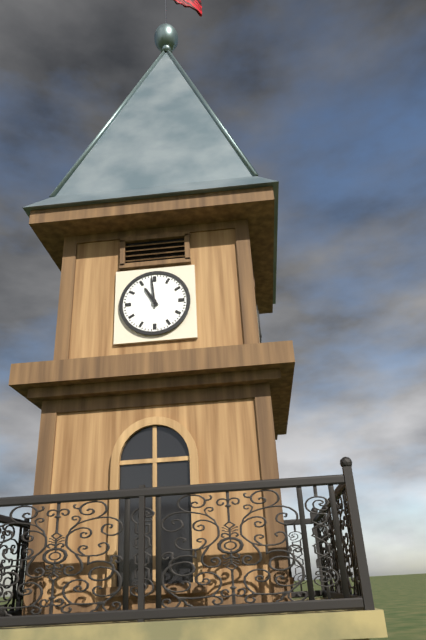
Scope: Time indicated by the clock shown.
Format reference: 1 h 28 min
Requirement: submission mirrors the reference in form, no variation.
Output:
10 h 59 min
